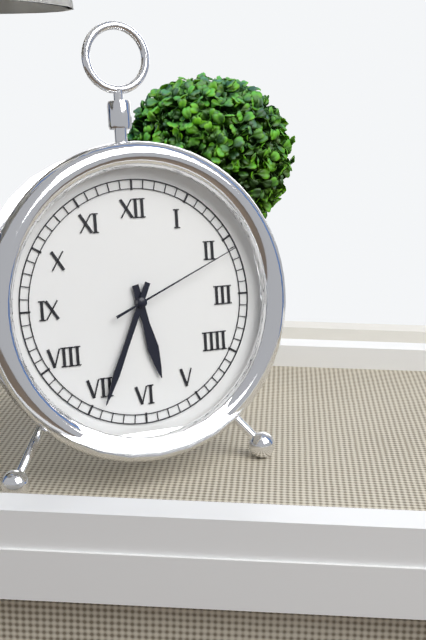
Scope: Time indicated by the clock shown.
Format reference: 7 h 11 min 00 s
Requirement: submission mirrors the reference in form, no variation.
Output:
5 h 34 min 11 s
